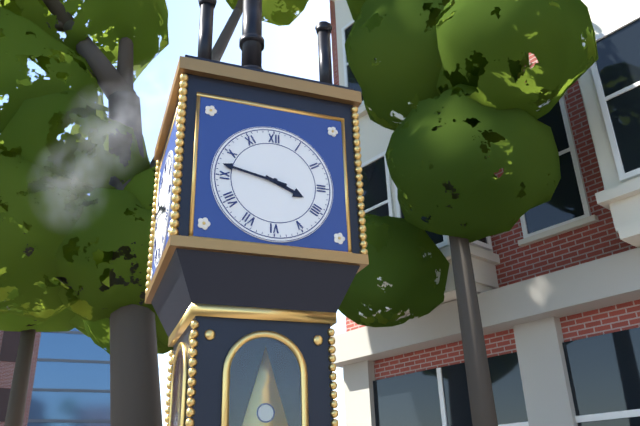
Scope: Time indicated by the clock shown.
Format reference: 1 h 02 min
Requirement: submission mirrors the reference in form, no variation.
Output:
3 h 47 min
